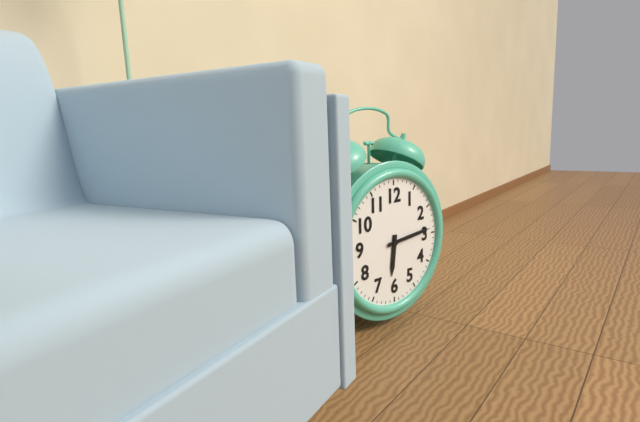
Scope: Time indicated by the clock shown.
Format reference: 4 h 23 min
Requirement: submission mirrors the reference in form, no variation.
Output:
6 h 14 min
